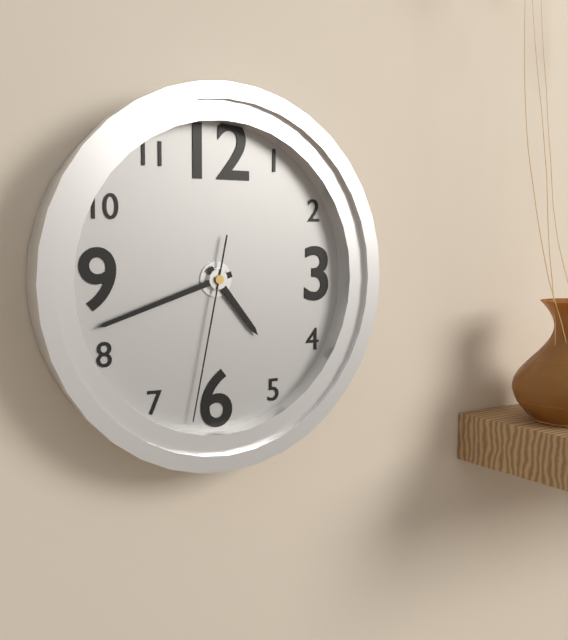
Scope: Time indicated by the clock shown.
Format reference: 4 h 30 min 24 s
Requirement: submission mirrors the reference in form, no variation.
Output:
4 h 42 min 32 s
